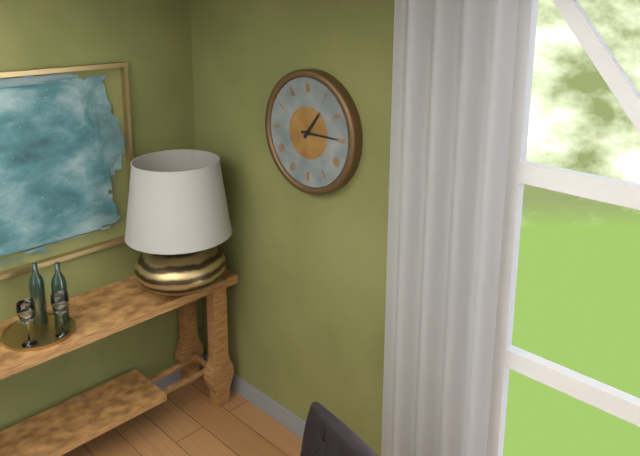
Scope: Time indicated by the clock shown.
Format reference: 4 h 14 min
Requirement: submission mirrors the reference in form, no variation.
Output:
1 h 15 min
